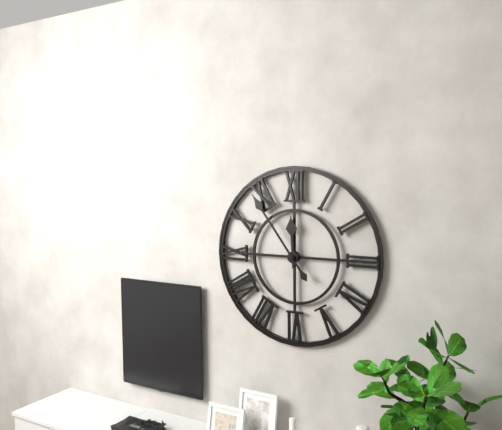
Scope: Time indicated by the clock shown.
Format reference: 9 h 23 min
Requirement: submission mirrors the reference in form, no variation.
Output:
11 h 54 min
